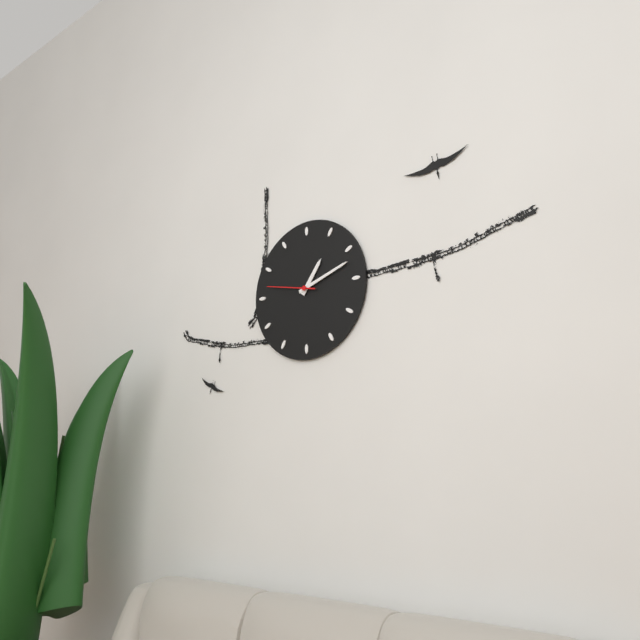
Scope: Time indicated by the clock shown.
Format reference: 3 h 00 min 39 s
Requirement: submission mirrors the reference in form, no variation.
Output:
1 h 12 min 47 s
